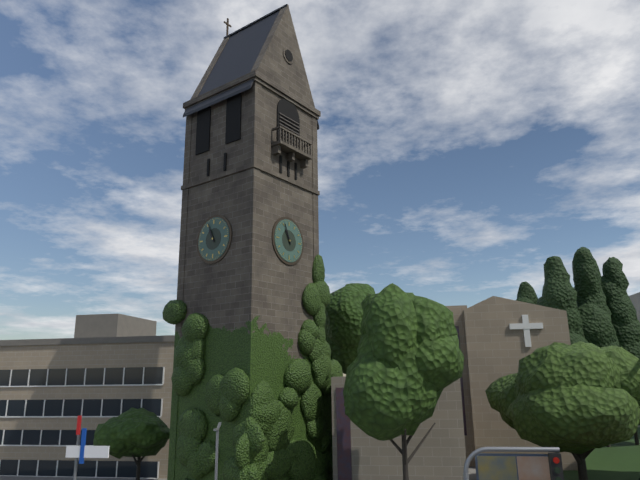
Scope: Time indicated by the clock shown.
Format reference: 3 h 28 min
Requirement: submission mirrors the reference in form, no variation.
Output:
10 h 56 min
